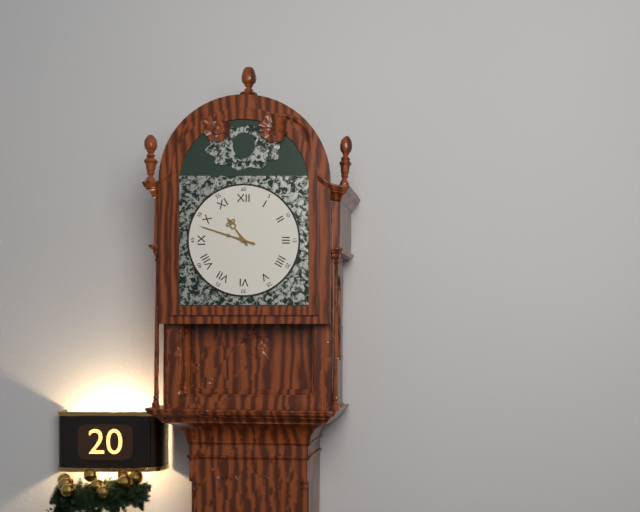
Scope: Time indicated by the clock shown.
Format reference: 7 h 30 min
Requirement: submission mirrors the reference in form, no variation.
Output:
10 h 48 min
